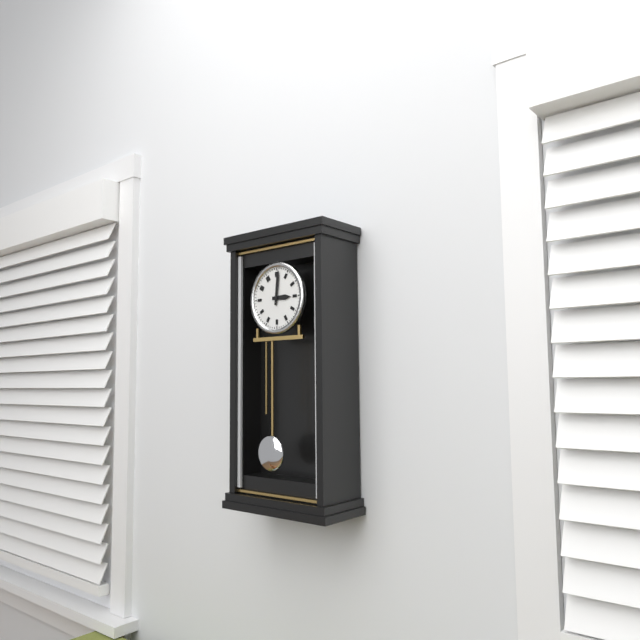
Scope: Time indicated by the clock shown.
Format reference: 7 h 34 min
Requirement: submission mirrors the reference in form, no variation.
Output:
3 h 01 min
